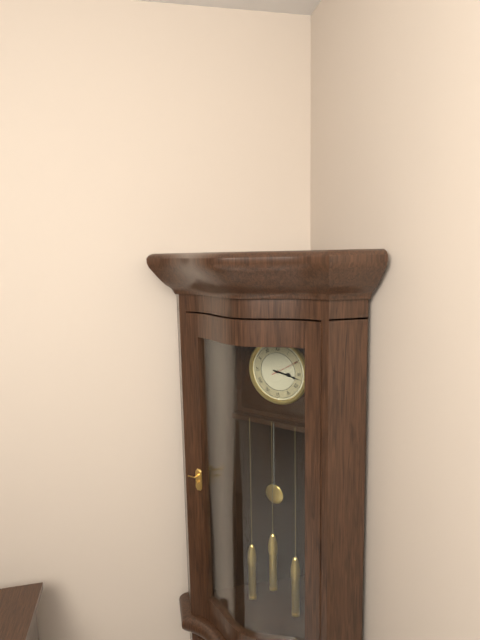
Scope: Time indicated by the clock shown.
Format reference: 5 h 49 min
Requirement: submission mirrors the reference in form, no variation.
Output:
3 h 17 min
